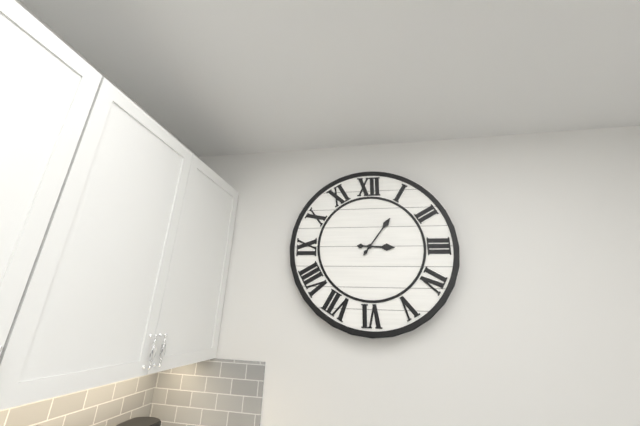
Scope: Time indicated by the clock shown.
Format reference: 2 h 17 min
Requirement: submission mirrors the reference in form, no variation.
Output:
3 h 06 min
